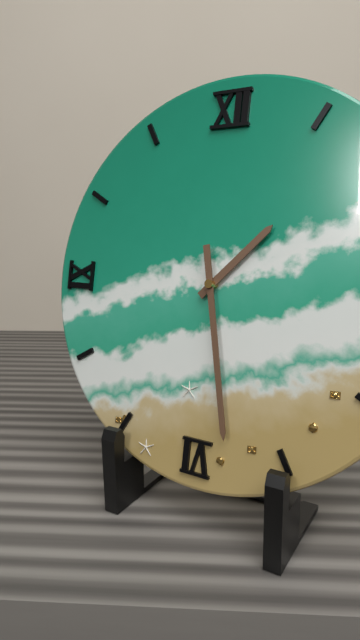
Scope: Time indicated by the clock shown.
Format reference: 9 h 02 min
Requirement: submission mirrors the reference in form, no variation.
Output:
1 h 28 min
